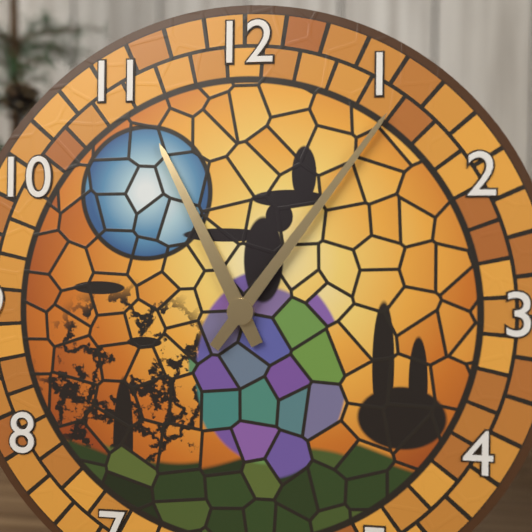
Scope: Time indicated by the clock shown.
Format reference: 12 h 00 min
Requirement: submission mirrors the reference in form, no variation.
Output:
11 h 06 min
